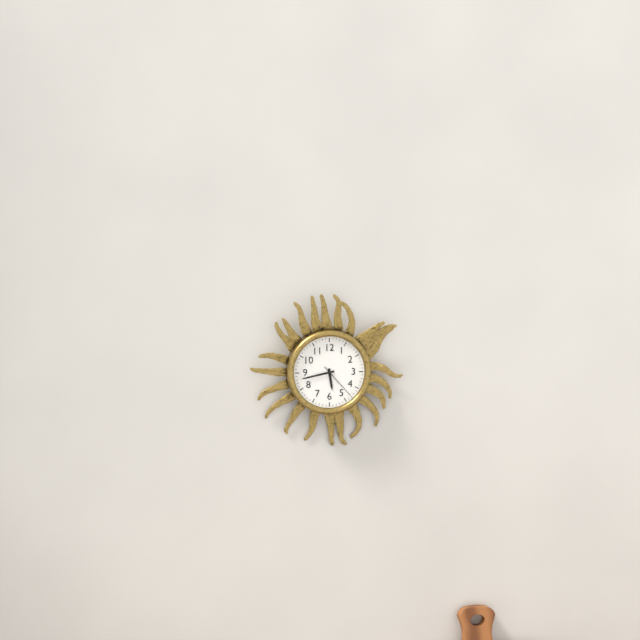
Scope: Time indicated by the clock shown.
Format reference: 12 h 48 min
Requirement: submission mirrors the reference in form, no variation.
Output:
5 h 43 min
